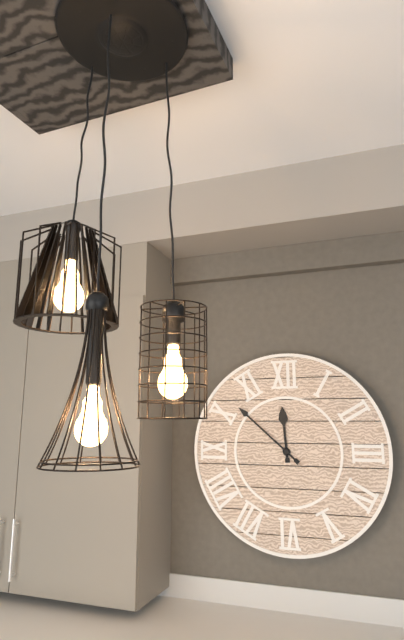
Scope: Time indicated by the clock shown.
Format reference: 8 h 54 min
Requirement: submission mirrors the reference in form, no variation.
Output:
11 h 52 min
